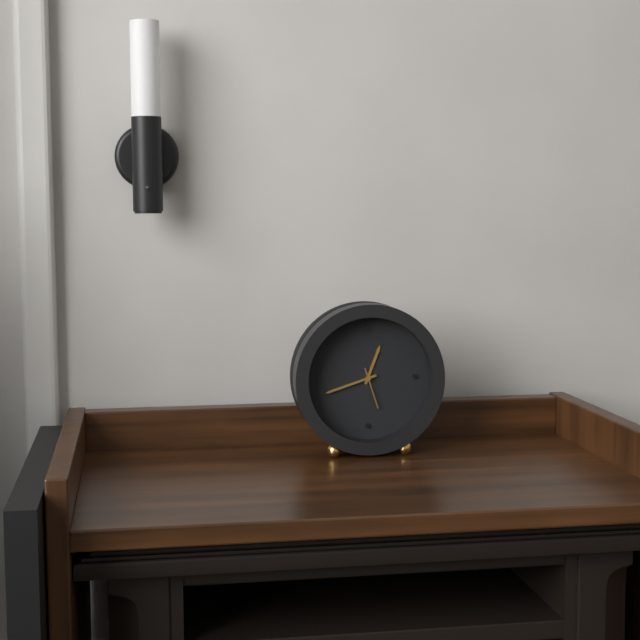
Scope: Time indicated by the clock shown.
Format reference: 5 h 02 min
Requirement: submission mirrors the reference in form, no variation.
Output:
12 h 42 min
